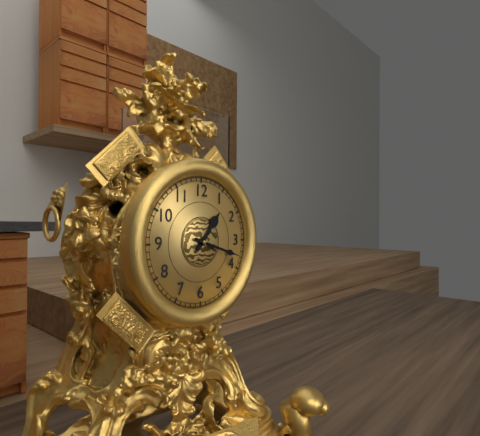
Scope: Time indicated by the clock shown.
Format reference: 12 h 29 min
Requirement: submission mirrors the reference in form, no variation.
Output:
1 h 18 min
